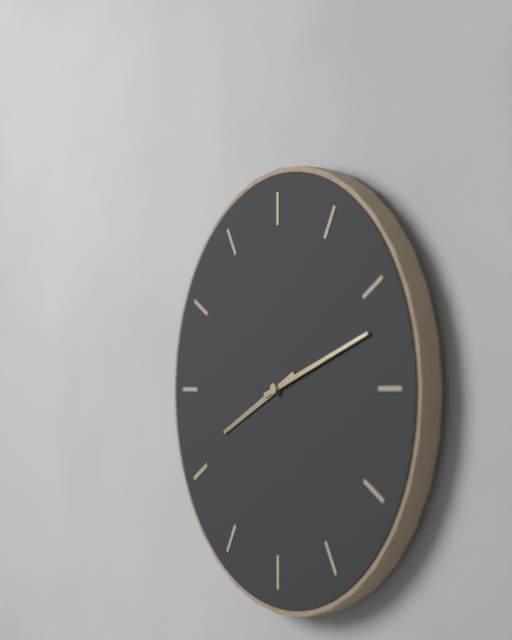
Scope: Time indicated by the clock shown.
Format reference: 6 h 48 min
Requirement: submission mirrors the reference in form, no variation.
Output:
8 h 12 min
